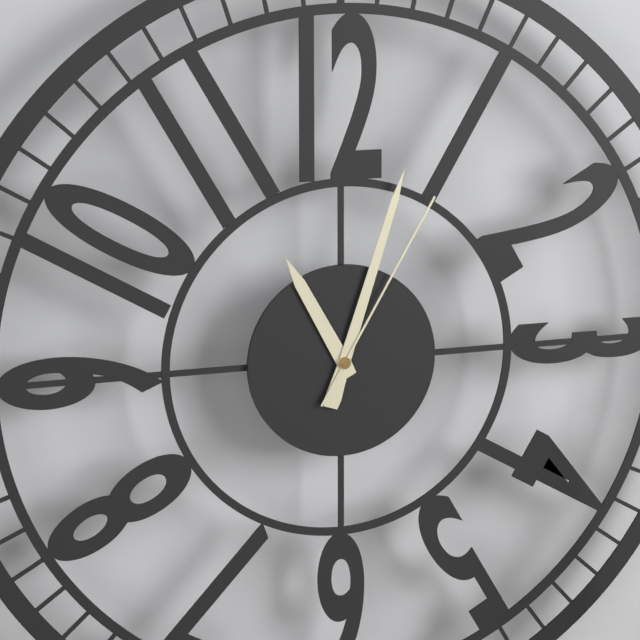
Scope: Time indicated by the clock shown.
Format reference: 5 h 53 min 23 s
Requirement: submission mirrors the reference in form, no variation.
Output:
11 h 03 min 05 s
